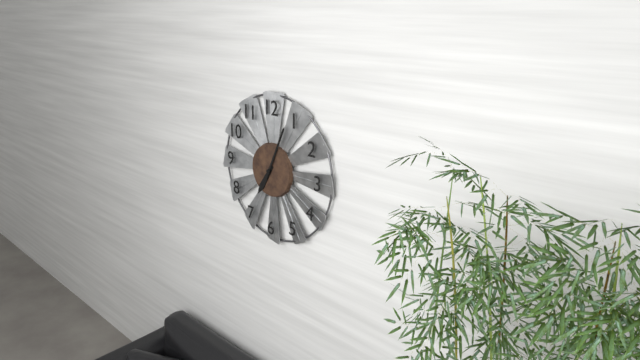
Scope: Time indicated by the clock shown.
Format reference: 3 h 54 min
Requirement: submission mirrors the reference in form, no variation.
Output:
7 h 04 min
